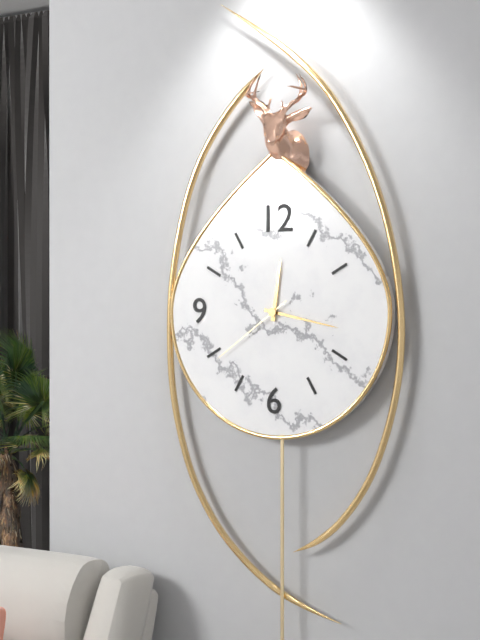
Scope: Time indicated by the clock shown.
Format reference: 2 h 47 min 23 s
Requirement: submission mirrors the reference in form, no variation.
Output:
12 h 17 min 39 s
